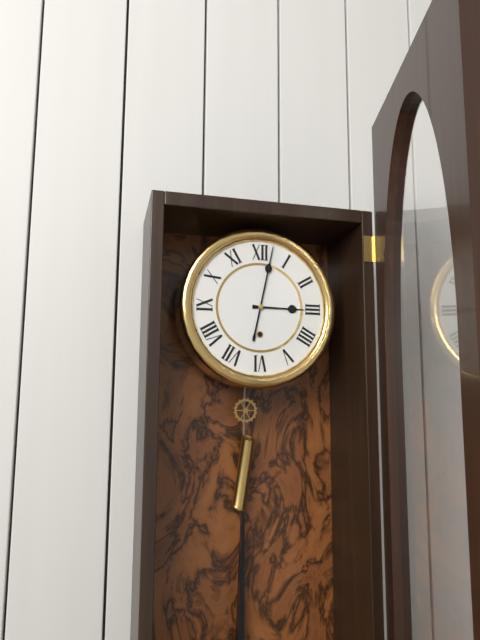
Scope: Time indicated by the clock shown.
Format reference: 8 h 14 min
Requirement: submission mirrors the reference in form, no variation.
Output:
3 h 02 min
